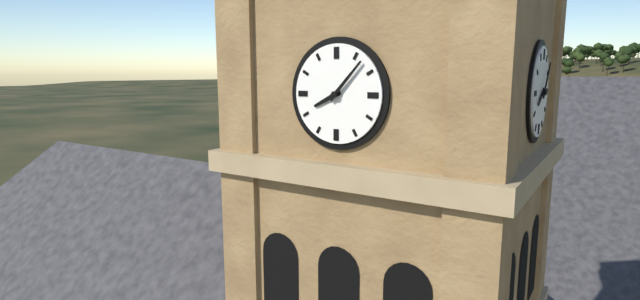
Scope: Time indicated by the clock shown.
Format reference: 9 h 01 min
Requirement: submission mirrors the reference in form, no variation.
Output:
8 h 07 min
